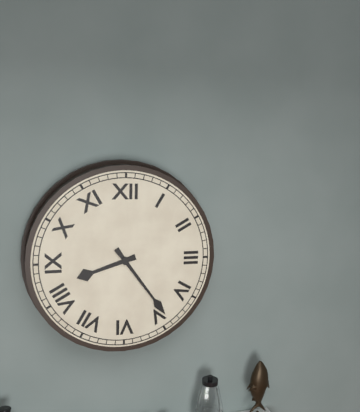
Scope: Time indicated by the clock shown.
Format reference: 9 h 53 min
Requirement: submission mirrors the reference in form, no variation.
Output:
8 h 24 min
